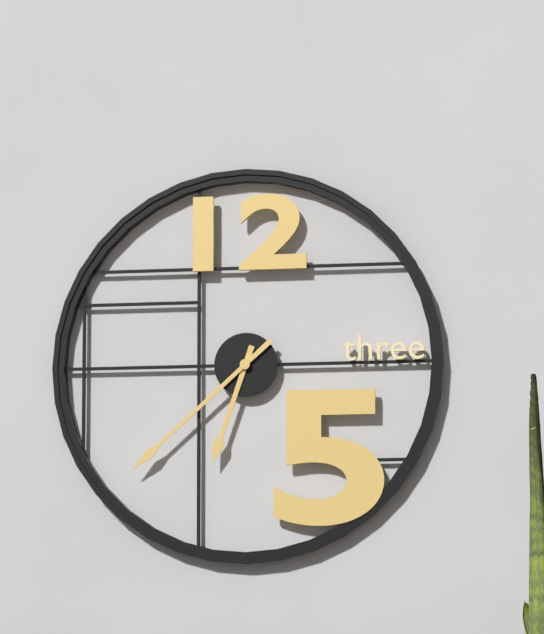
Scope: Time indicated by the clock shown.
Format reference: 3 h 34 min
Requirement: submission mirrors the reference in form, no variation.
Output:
6 h 38 min
